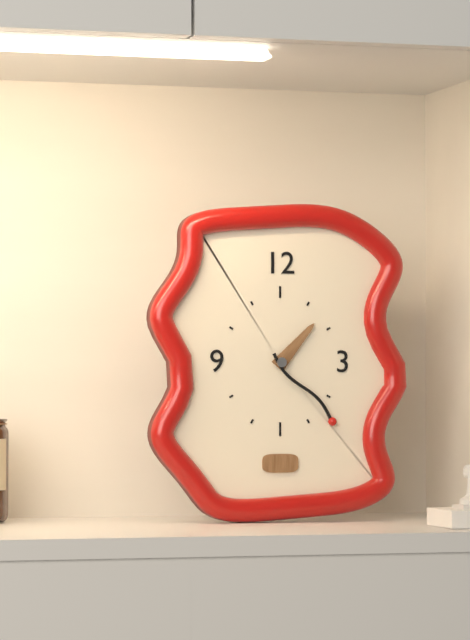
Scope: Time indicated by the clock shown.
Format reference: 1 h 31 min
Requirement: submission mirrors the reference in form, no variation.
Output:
1 h 23 min
